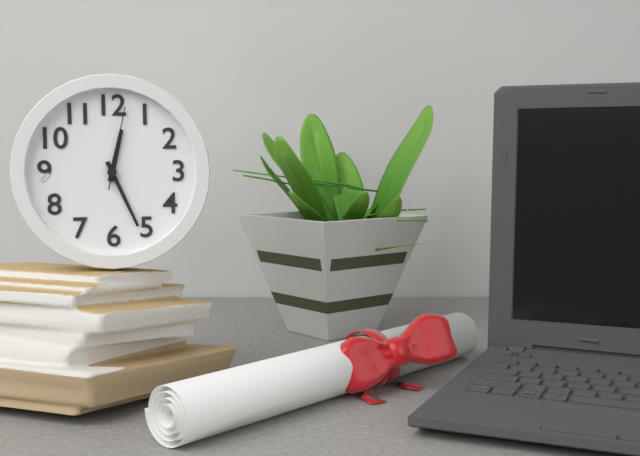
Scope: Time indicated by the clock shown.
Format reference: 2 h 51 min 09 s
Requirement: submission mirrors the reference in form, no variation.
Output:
12 h 26 min 02 s
